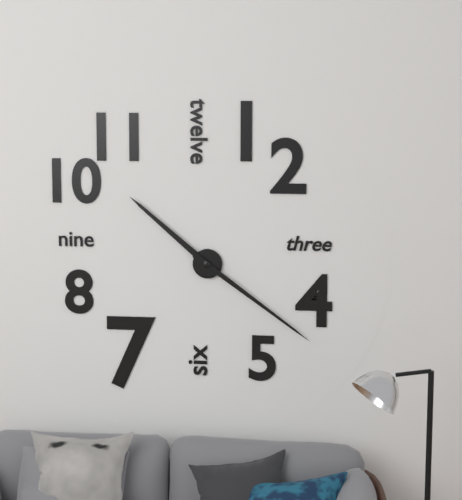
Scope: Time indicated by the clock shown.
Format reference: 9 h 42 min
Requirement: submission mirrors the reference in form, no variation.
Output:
10 h 21 min
